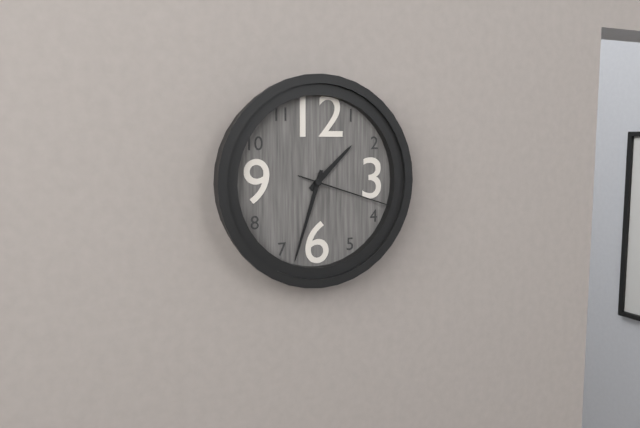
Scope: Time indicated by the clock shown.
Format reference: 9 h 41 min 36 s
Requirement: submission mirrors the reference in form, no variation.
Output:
1 h 33 min 18 s
